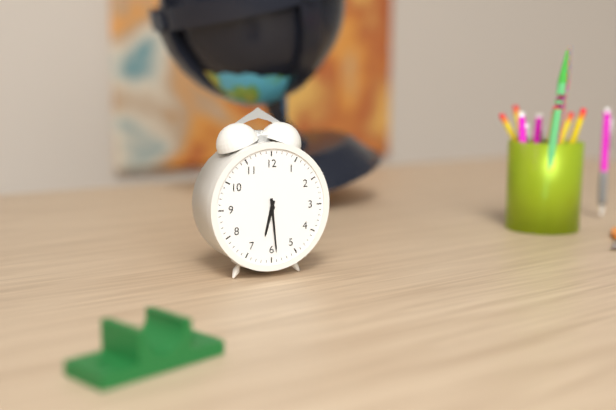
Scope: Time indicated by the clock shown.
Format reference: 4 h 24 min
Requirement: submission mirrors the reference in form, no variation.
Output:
6 h 29 min
